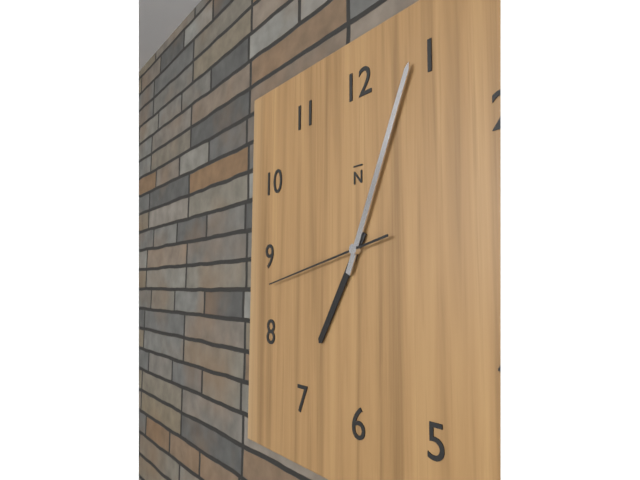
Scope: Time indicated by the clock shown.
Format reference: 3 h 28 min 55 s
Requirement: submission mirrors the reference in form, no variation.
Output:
7 h 04 min 43 s
